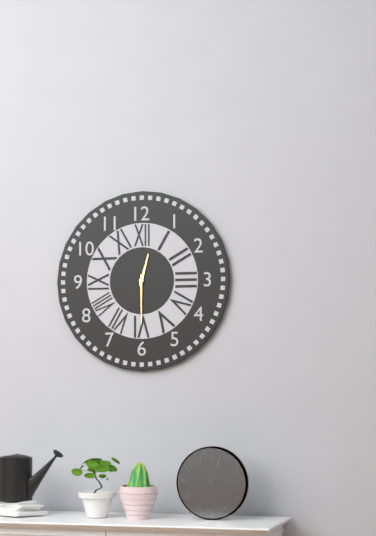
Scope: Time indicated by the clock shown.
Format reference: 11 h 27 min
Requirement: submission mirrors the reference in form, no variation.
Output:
12 h 30 min
